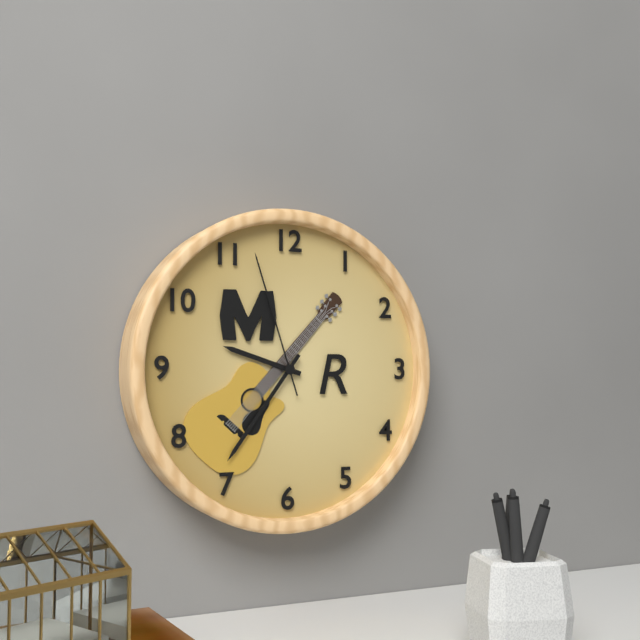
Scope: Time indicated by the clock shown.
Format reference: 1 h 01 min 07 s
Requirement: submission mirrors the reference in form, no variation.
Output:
9 h 36 min 57 s
